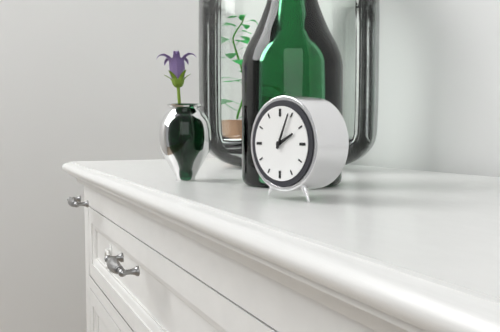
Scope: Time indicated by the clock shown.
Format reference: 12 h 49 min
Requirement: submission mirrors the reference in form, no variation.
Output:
2 h 04 min
